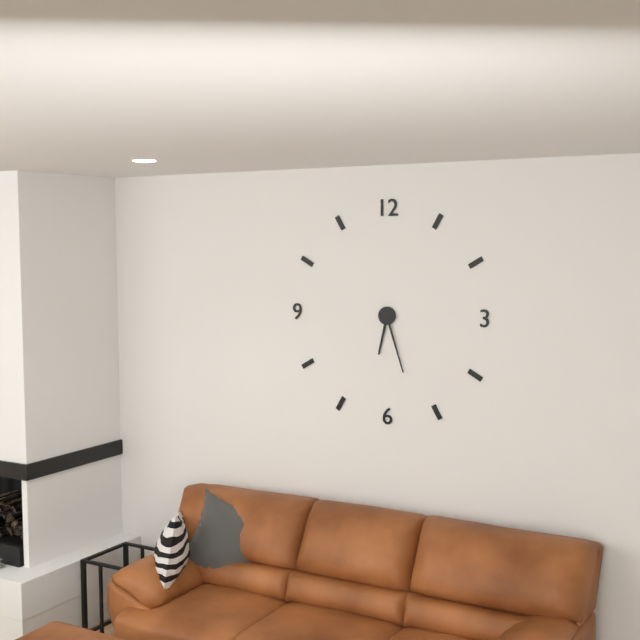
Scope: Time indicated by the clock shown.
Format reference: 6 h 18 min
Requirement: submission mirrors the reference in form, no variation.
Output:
6 h 27 min
